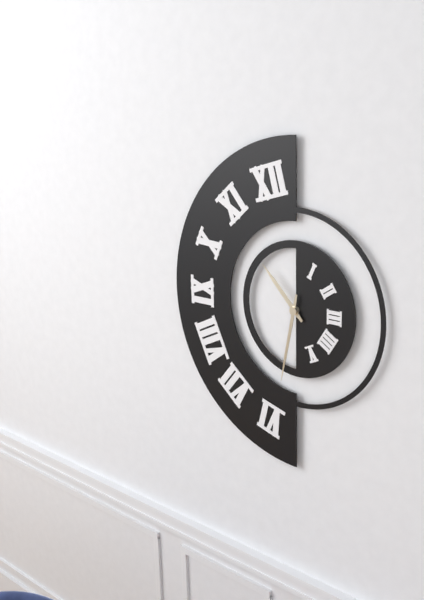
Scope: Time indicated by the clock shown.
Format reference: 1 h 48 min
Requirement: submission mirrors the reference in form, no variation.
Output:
10 h 32 min
